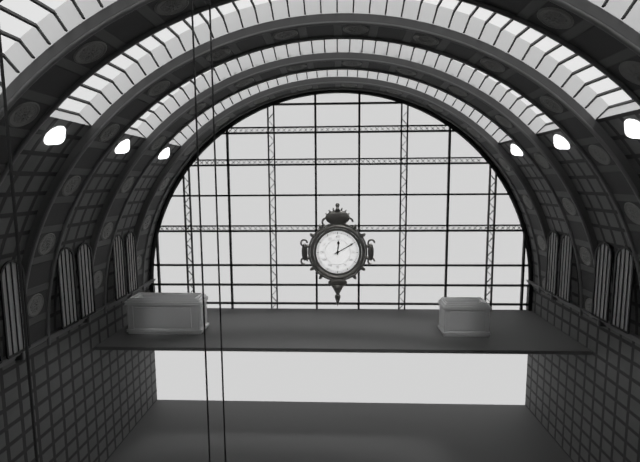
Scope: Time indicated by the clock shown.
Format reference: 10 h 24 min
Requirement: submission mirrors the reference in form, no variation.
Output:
12 h 10 min
